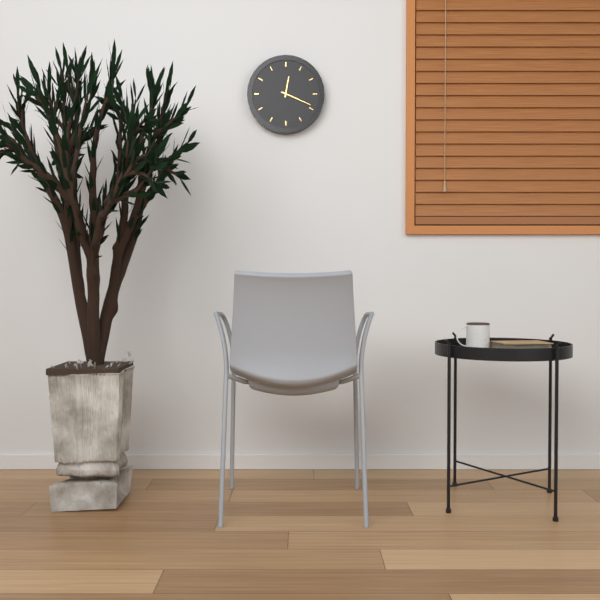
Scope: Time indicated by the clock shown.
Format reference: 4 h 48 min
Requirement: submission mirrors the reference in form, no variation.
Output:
12 h 19 min
